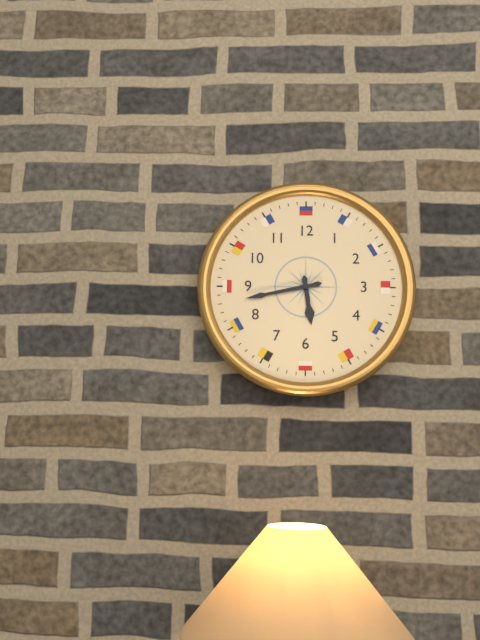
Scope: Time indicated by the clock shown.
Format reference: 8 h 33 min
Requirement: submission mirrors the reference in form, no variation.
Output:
5 h 43 min
